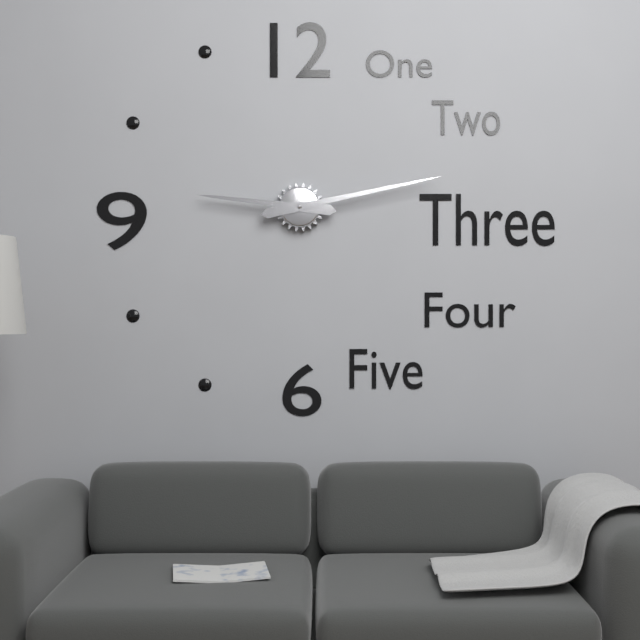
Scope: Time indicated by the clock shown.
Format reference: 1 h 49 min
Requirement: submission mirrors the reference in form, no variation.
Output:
9 h 13 min
